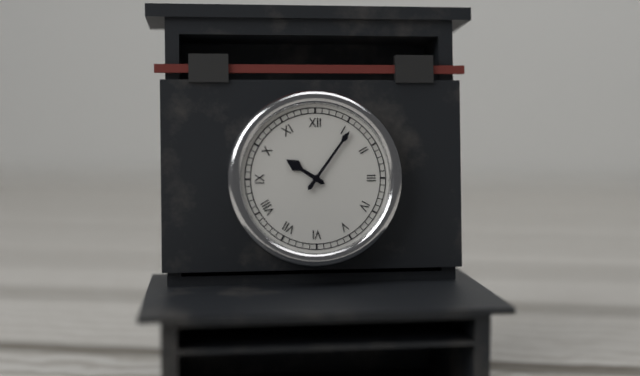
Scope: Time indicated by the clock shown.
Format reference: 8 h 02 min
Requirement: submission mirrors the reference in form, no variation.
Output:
10 h 06 min
